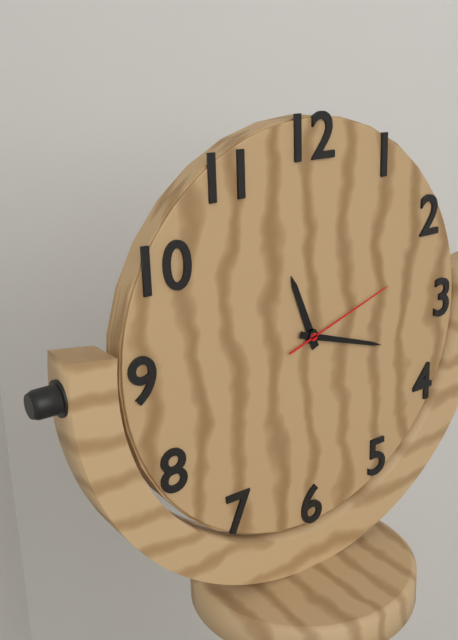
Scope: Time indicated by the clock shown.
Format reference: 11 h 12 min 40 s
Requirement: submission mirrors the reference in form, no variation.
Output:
11 h 18 min 12 s
